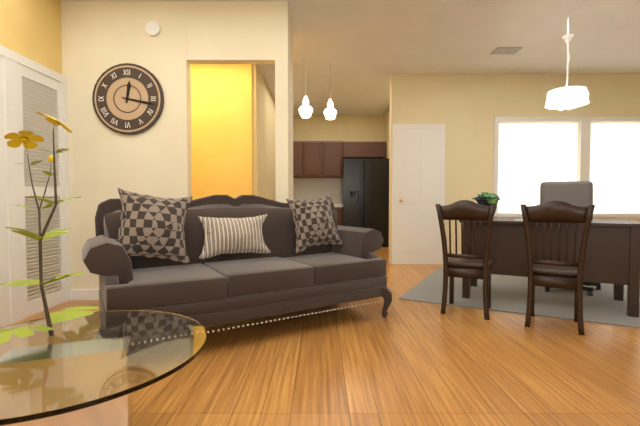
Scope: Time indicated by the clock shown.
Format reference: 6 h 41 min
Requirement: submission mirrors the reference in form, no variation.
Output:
12 h 17 min
